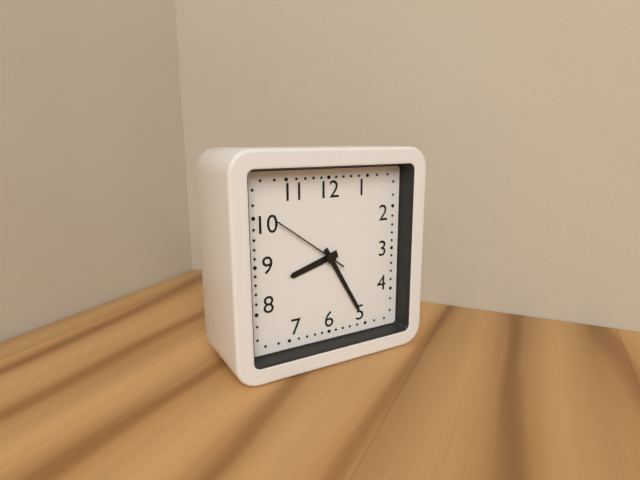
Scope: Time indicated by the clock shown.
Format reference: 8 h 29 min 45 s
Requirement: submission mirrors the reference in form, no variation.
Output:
8 h 25 min 51 s
